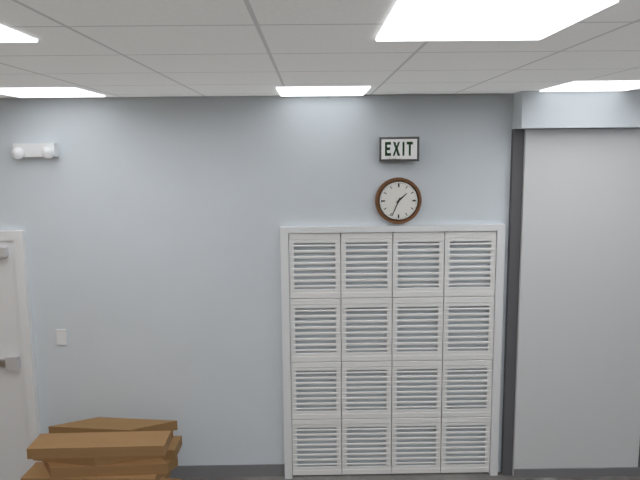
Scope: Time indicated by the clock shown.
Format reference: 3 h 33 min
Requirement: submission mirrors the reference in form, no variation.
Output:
1 h 34 min
